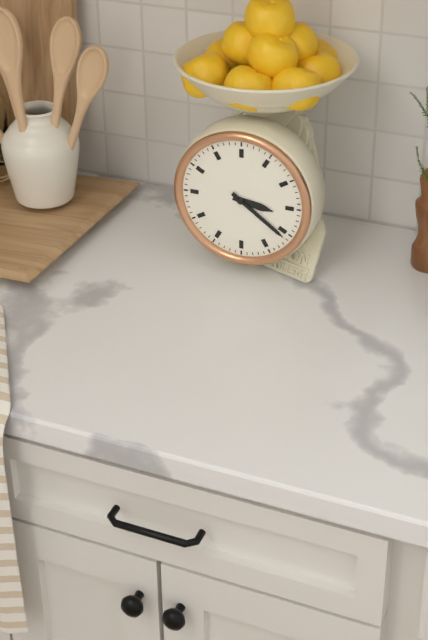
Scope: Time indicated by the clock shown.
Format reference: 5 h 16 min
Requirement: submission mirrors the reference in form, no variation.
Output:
3 h 21 min
